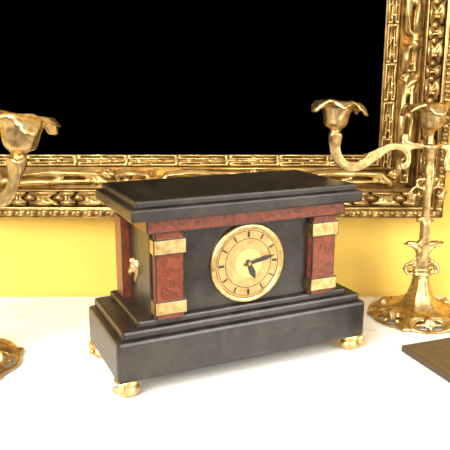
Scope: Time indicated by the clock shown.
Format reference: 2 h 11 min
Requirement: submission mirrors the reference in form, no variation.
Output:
5 h 13 min
